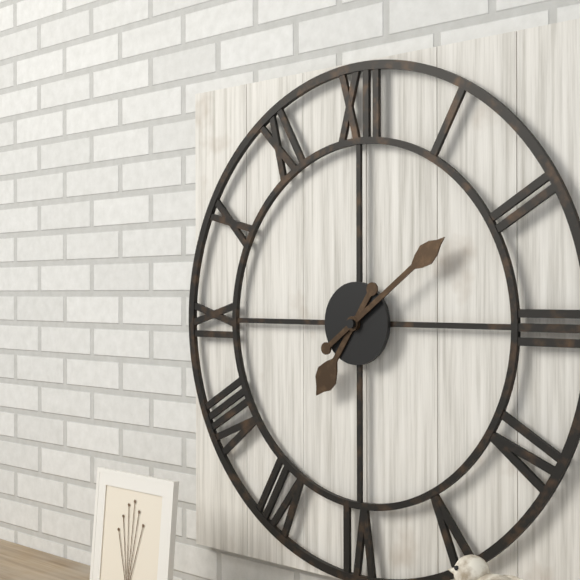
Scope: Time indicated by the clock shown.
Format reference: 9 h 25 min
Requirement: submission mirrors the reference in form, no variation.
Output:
7 h 09 min
